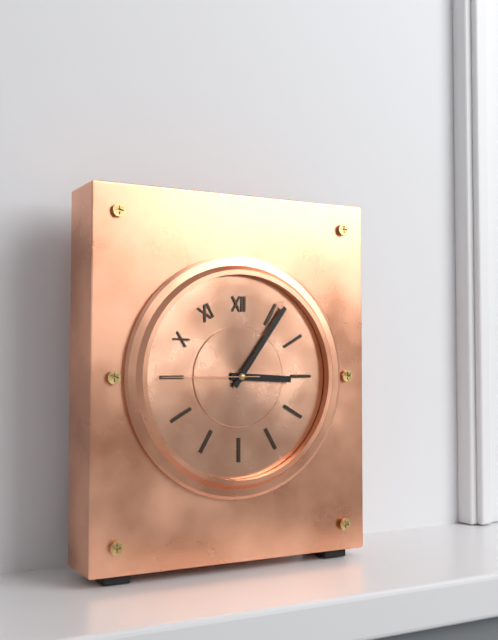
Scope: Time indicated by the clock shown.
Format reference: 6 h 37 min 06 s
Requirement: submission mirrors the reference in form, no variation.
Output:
3 h 06 min 45 s
